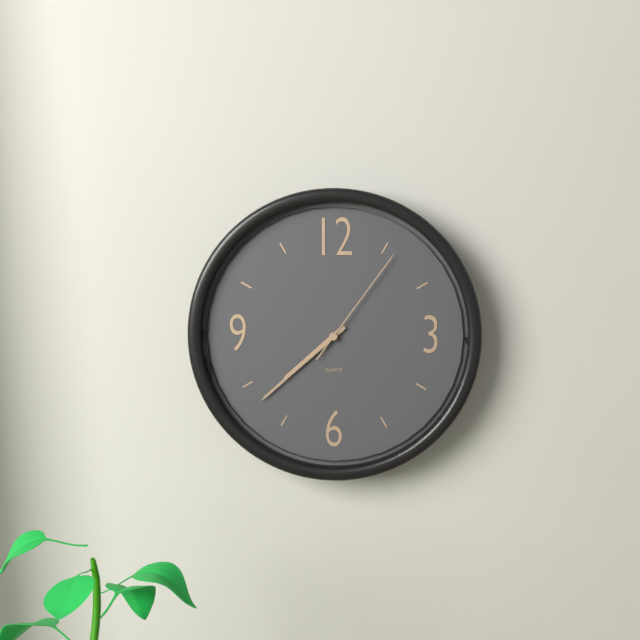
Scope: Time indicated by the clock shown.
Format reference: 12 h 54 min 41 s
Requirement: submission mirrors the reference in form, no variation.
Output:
7 h 38 min 06 s
